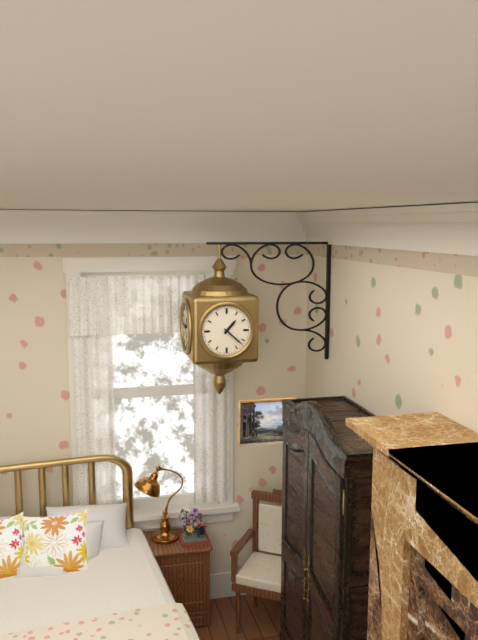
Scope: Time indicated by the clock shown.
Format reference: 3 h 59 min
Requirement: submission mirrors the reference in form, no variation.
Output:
1 h 22 min
